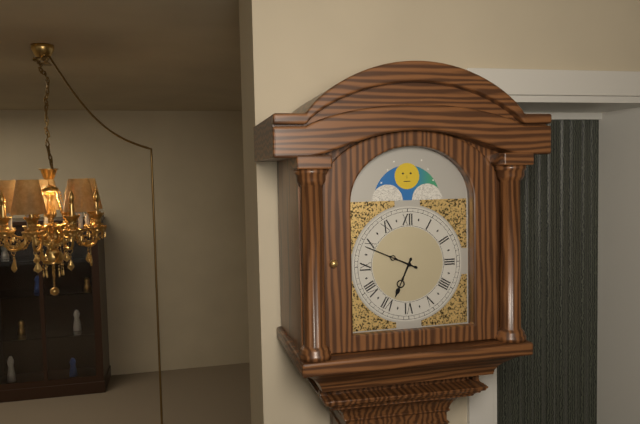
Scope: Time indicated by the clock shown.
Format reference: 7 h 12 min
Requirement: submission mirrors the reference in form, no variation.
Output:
6 h 49 min
